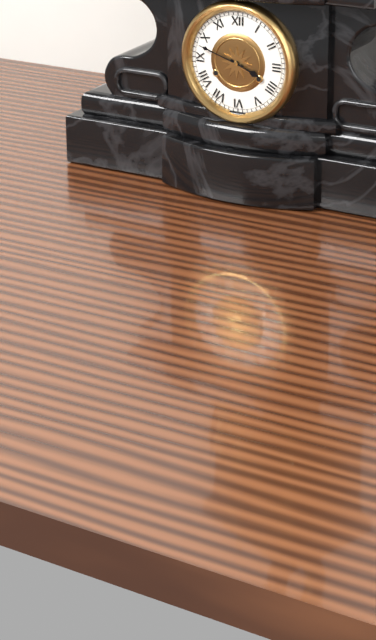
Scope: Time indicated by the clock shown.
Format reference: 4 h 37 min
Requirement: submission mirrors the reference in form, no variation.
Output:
3 h 48 min
